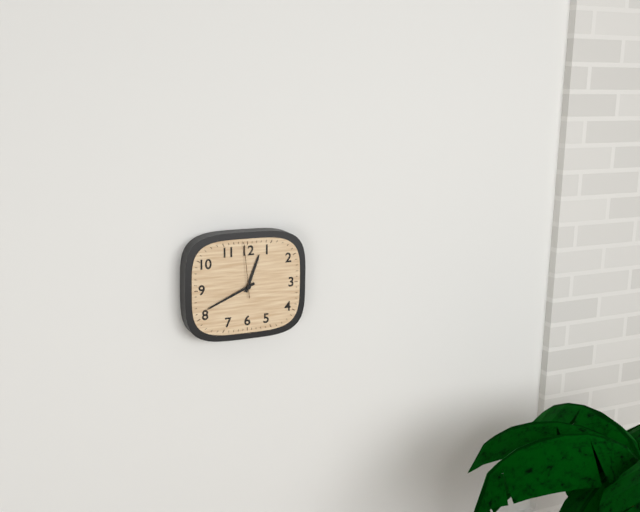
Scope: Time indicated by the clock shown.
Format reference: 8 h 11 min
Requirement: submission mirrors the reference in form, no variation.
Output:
12 h 41 min
